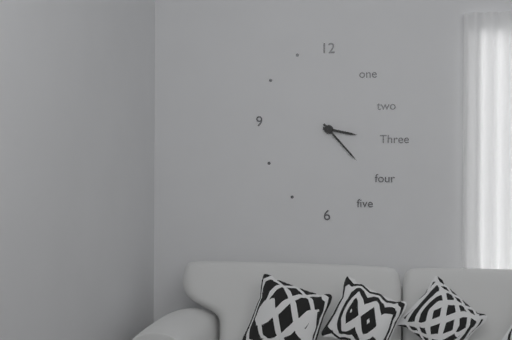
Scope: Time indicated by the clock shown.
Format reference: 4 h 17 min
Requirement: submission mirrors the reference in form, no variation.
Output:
3 h 23 min
